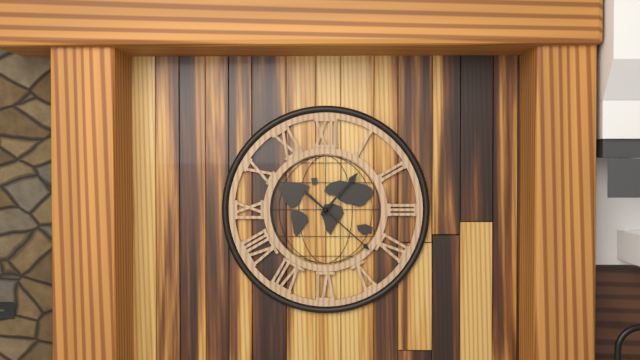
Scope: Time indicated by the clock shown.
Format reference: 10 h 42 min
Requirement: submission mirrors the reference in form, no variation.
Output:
1 h 22 min
